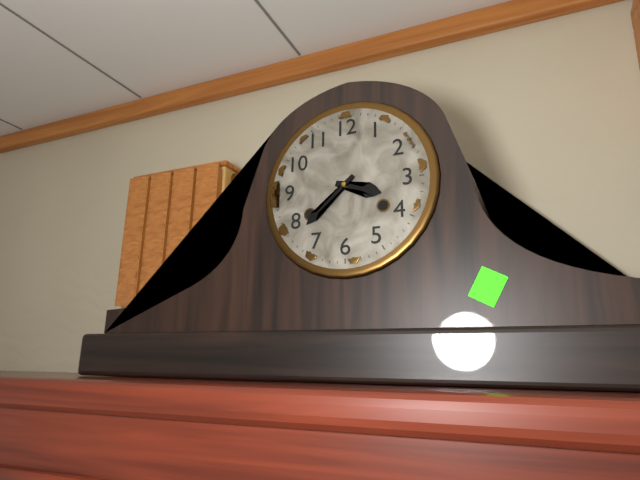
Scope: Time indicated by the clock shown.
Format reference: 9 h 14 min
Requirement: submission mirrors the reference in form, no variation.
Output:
3 h 38 min
